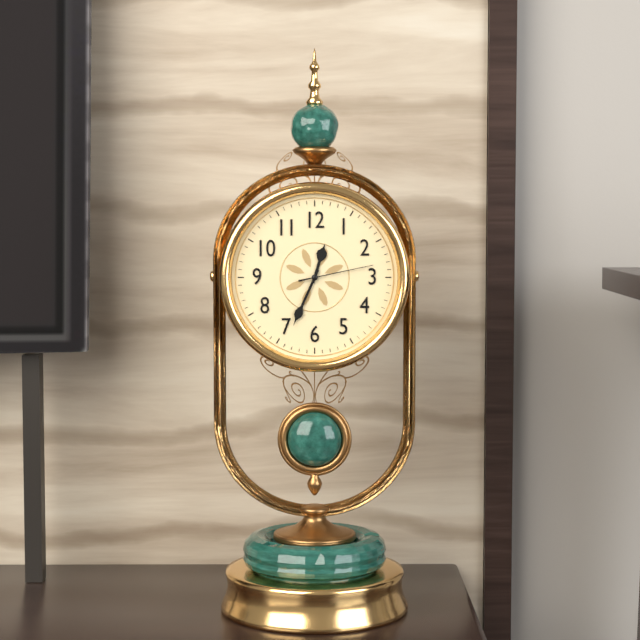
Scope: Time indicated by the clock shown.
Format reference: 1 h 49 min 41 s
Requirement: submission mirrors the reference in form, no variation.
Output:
12 h 34 min 13 s
